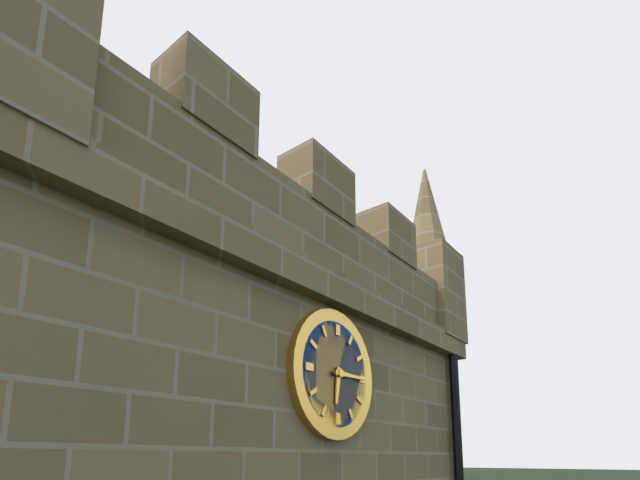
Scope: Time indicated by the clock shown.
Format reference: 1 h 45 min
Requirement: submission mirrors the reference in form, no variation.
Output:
6 h 15 min
